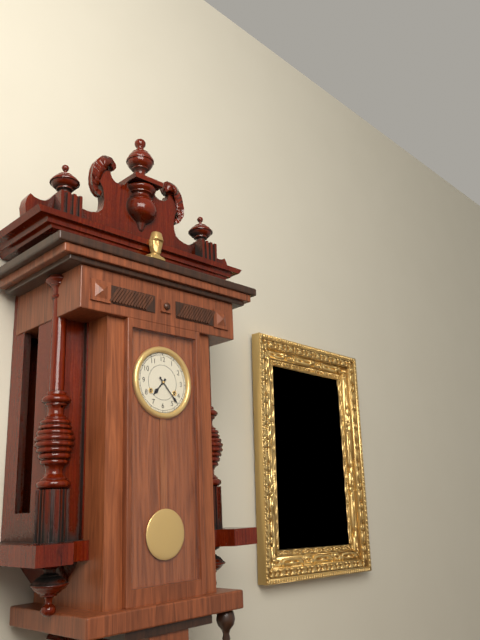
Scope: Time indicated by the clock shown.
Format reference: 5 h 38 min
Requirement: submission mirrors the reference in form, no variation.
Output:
7 h 23 min
